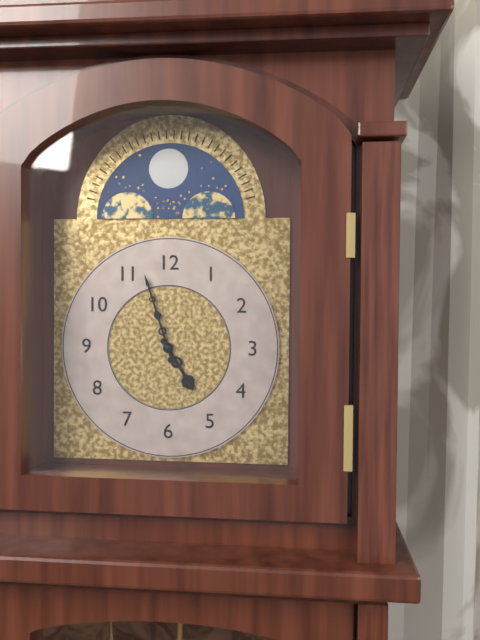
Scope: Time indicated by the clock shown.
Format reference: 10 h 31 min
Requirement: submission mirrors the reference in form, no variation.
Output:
4 h 57 min
